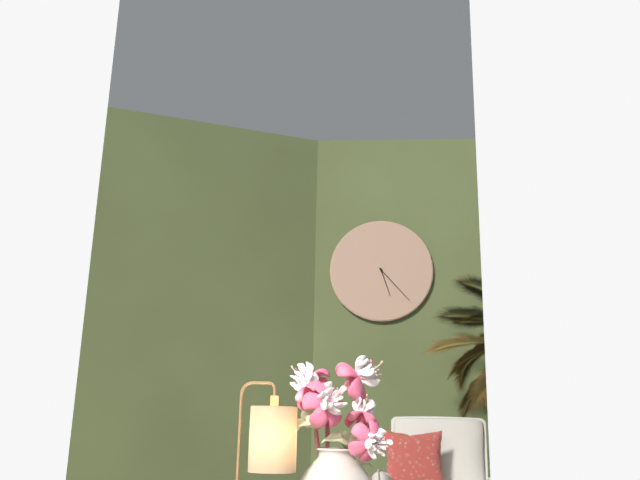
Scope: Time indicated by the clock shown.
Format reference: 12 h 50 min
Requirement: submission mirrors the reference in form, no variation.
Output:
5 h 23 min
